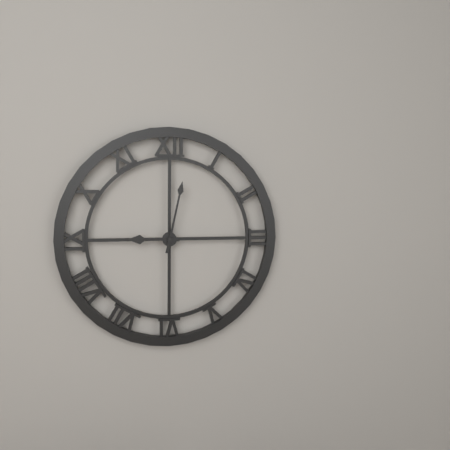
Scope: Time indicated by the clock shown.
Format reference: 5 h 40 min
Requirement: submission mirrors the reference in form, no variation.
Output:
9 h 02 min
